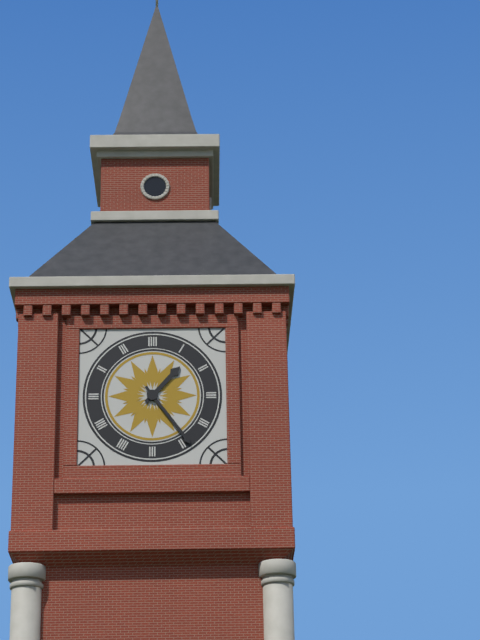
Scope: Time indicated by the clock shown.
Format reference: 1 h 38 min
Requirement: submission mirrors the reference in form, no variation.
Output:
1 h 24 min
